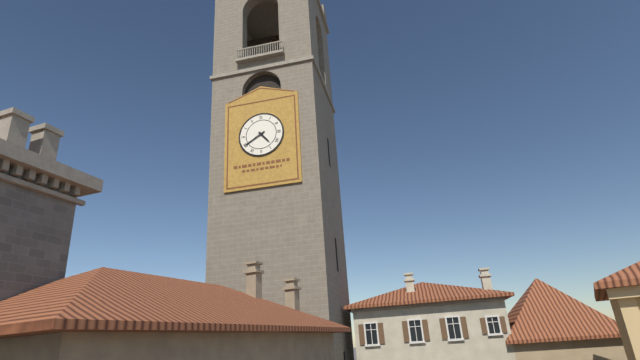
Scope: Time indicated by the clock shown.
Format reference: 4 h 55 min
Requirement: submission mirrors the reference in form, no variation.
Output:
4 h 40 min
